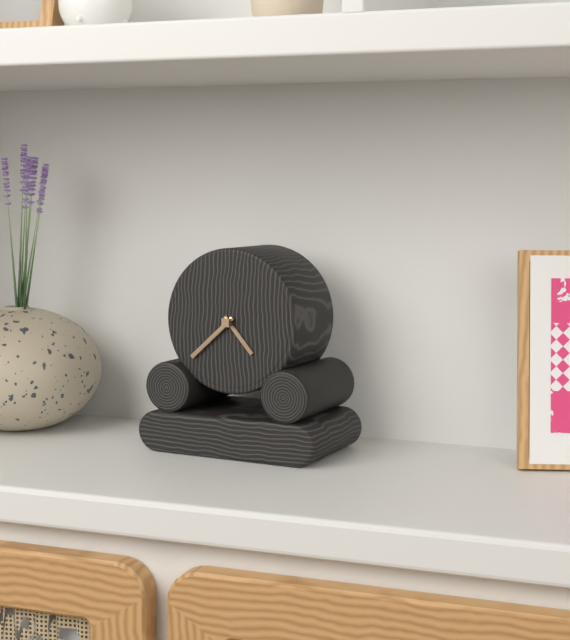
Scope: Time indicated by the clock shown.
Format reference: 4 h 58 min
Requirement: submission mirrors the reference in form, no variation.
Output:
4 h 38 min
